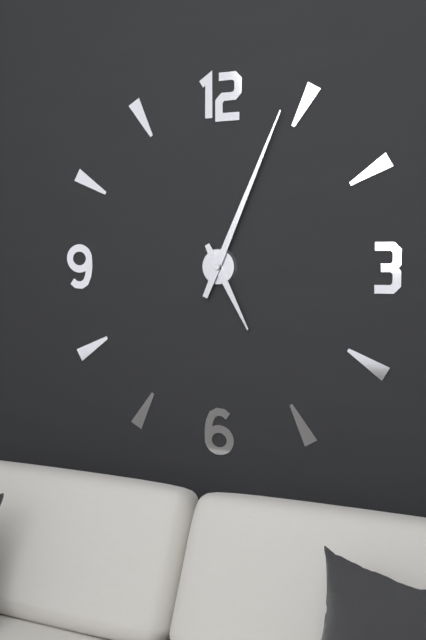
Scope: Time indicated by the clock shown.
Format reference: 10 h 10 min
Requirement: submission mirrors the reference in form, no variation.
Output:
5 h 04 min
